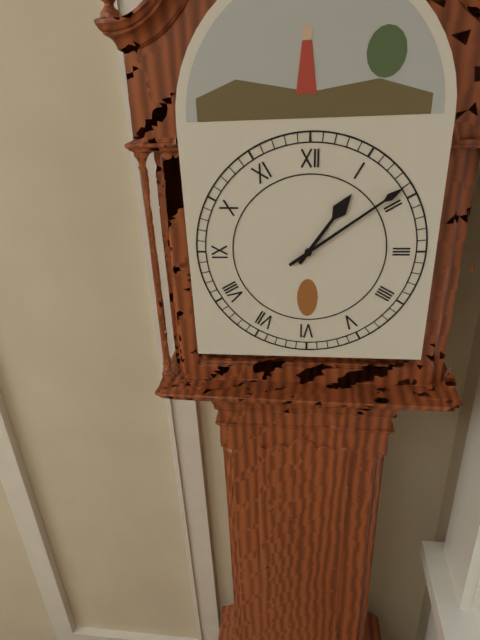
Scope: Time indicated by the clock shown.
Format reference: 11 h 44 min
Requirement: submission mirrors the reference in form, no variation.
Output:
1 h 09 min
